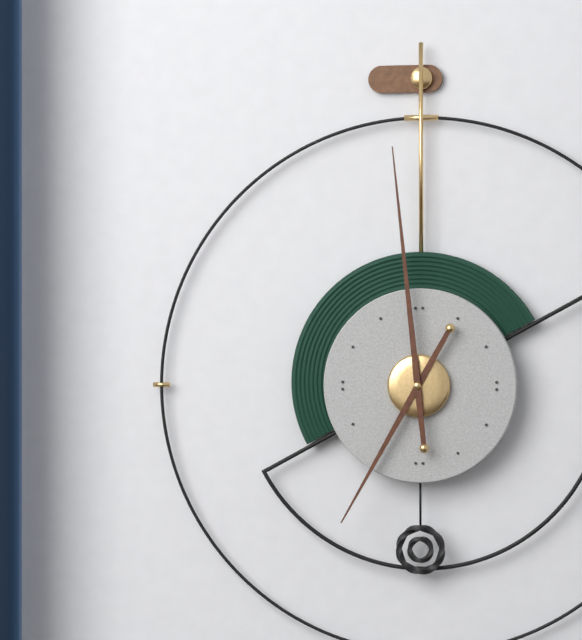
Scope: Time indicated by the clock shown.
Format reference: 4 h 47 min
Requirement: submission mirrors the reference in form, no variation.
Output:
6 h 59 min
